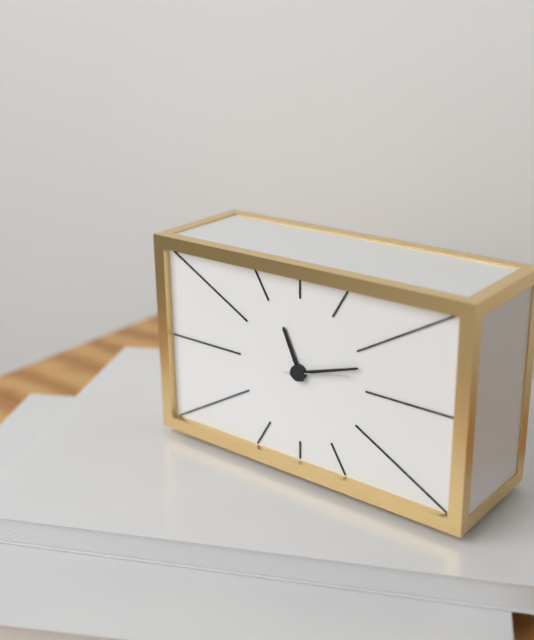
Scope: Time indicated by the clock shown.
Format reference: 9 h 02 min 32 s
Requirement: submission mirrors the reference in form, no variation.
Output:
11 h 12 min 13 s
